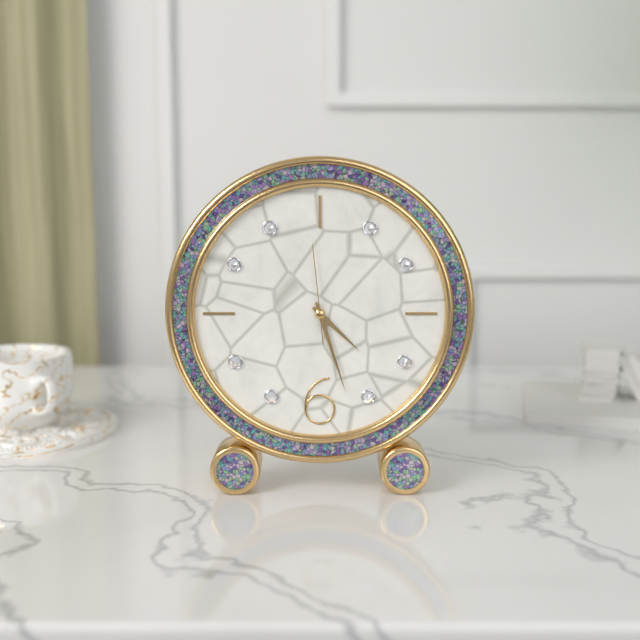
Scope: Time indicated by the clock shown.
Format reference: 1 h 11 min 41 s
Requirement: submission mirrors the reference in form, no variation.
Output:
4 h 27 min 59 s
